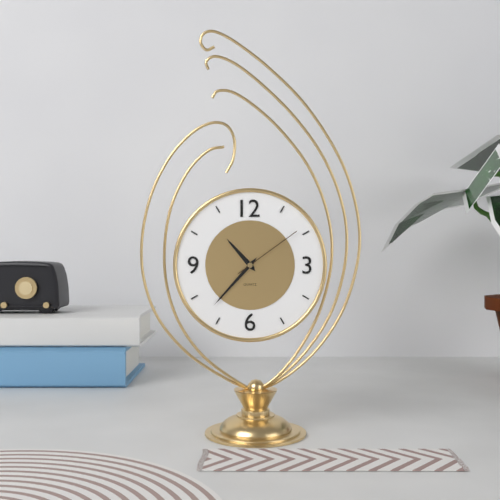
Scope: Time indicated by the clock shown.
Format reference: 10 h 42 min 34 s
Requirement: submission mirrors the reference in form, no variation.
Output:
10 h 37 min 09 s
